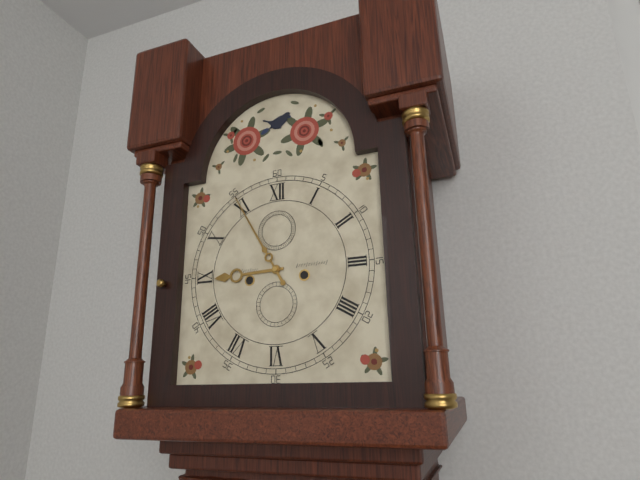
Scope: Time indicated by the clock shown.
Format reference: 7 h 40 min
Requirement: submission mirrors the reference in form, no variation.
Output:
8 h 55 min
